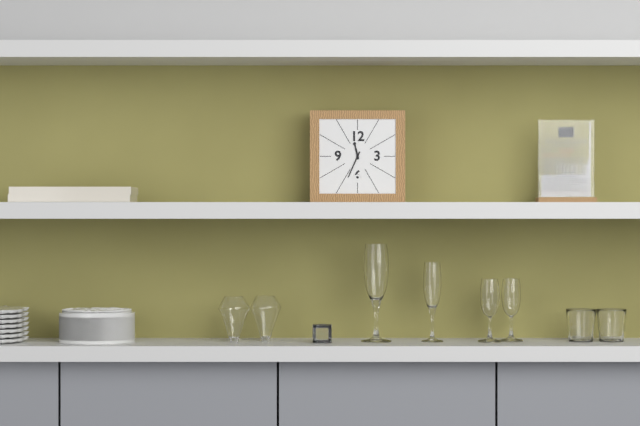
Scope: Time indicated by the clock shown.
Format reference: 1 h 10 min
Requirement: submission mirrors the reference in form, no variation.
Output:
11 h 34 min
